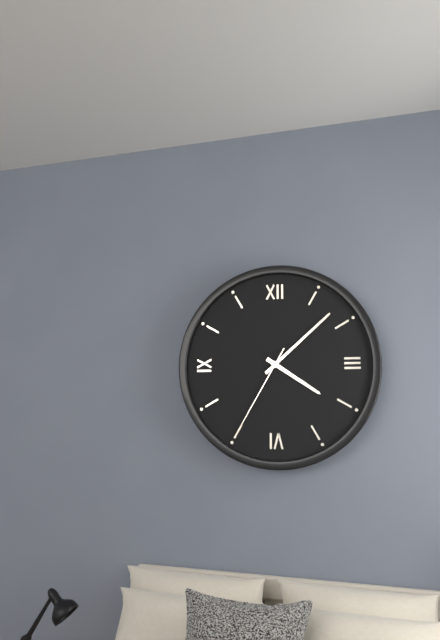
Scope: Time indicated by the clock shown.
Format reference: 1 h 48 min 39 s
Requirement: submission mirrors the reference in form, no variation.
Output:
4 h 08 min 35 s
